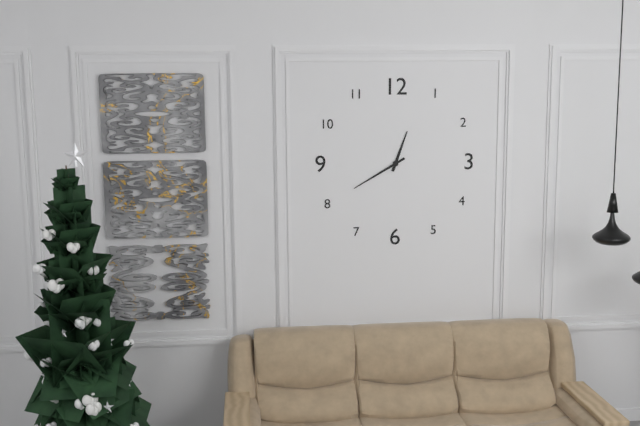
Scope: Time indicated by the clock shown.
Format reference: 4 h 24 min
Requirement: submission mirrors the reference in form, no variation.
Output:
12 h 40 min
